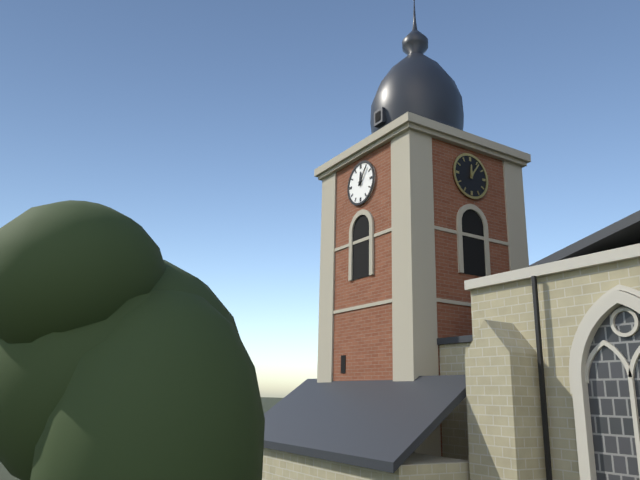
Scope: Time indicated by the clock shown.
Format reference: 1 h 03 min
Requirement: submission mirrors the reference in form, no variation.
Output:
12 h 06 min
